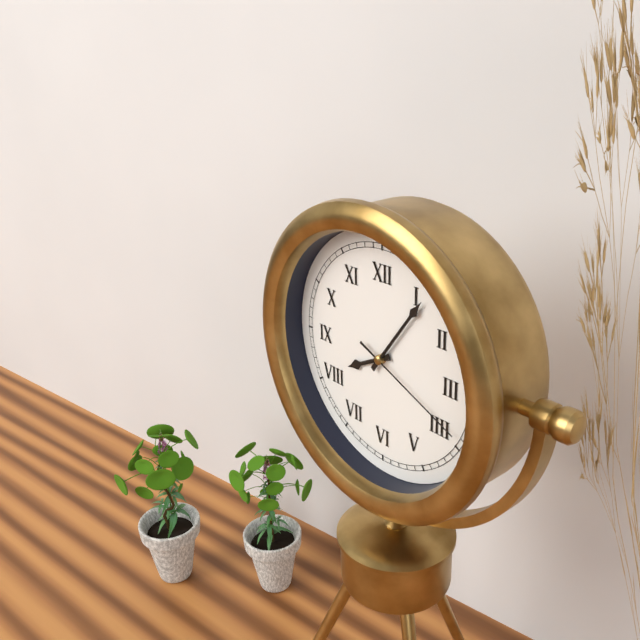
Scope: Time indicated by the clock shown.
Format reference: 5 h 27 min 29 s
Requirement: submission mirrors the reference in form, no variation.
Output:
8 h 06 min 19 s
